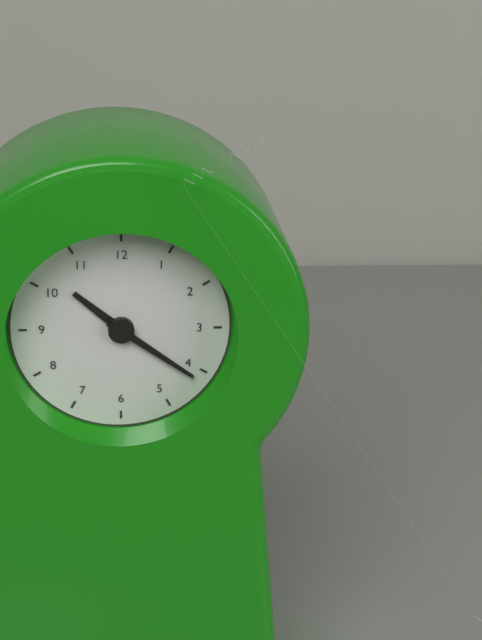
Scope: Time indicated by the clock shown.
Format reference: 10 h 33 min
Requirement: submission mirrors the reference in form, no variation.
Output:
10 h 21 min
